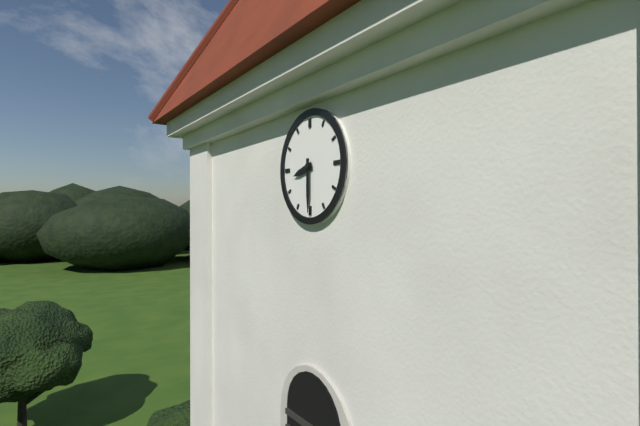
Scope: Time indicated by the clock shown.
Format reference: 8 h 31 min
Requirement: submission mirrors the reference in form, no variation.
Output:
8 h 30 min
